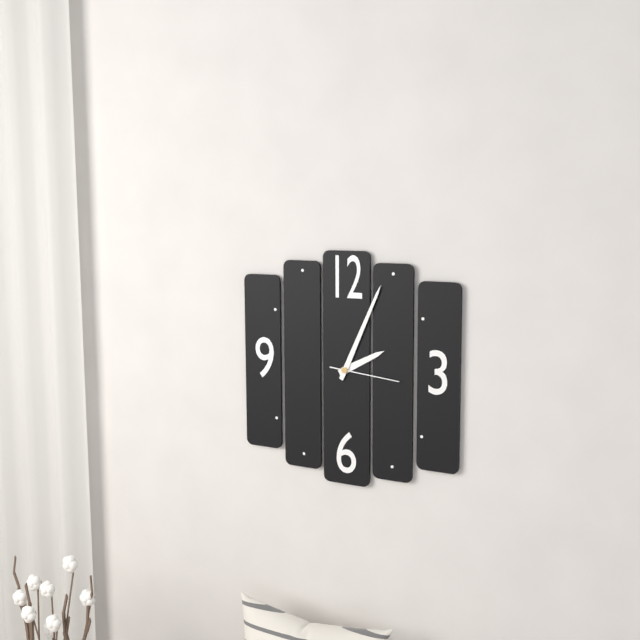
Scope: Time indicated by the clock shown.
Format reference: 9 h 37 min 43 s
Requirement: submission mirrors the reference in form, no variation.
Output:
2 h 04 min 16 s
